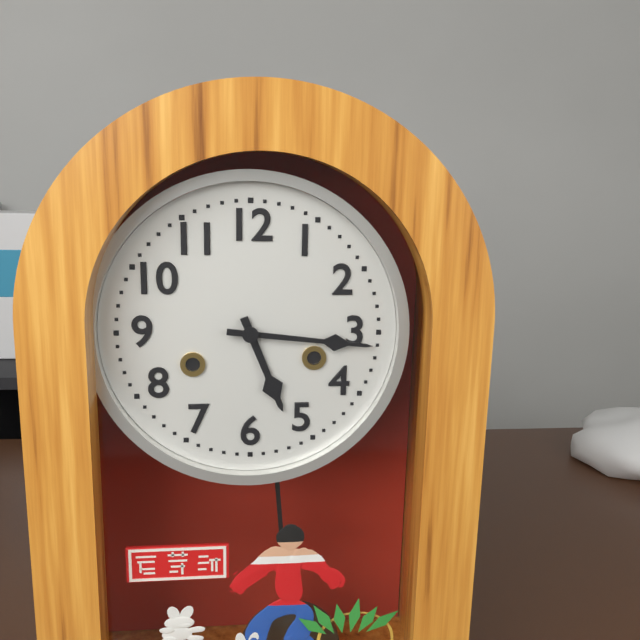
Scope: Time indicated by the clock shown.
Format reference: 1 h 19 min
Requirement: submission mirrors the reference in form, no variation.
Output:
5 h 16 min
